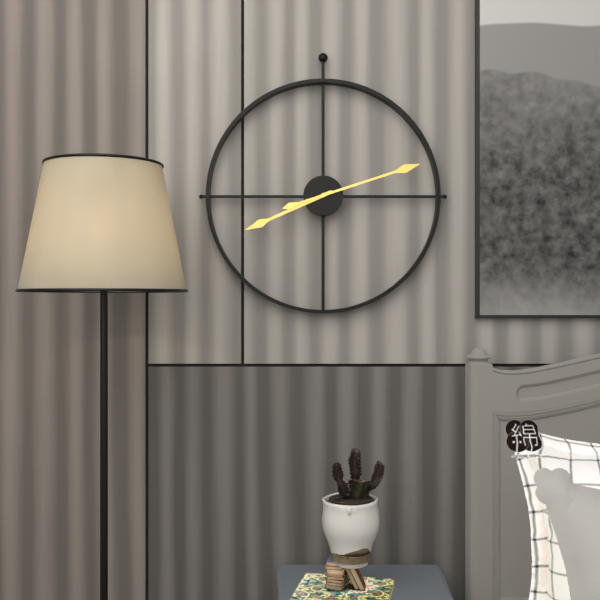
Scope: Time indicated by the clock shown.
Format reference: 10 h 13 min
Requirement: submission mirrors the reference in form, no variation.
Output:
8 h 12 min
